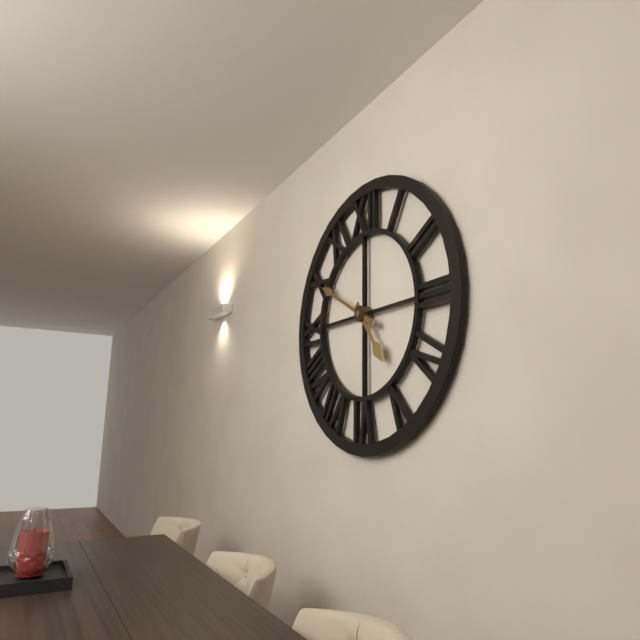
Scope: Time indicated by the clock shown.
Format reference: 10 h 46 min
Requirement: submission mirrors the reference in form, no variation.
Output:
4 h 50 min
